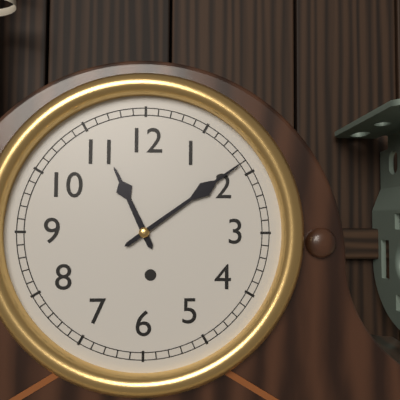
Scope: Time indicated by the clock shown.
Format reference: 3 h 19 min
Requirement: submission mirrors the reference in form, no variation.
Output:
11 h 09 min
